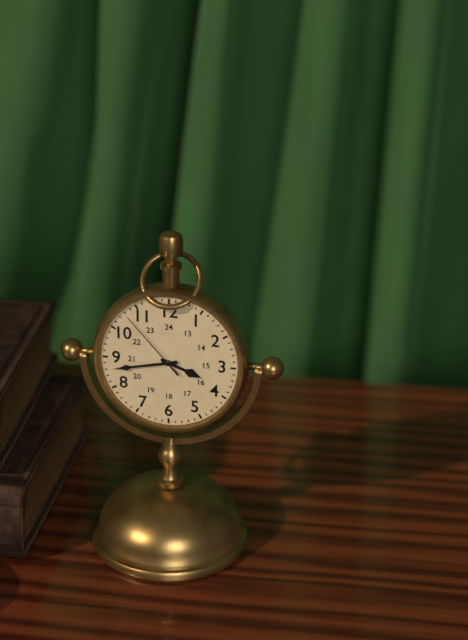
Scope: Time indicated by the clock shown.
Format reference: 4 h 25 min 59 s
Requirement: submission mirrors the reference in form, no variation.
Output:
3 h 43 min 53 s
